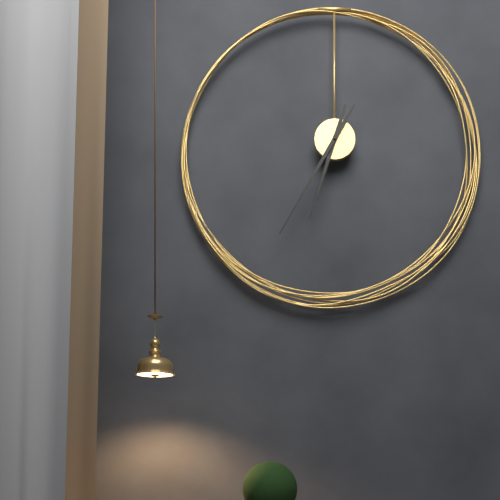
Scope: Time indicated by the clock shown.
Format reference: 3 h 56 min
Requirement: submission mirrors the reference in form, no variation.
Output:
6 h 35 min
